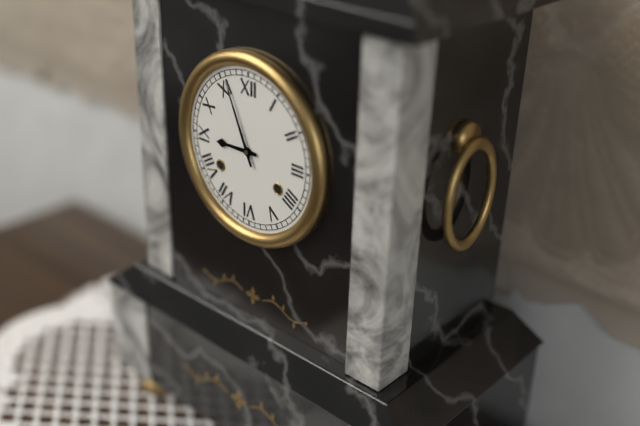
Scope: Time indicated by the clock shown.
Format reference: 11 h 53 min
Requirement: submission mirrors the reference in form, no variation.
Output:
8 h 56 min
